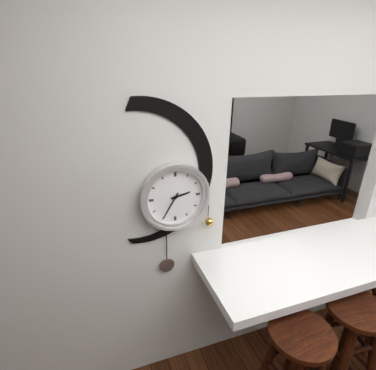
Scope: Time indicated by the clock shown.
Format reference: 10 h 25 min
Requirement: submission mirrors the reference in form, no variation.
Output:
2 h 35 min
